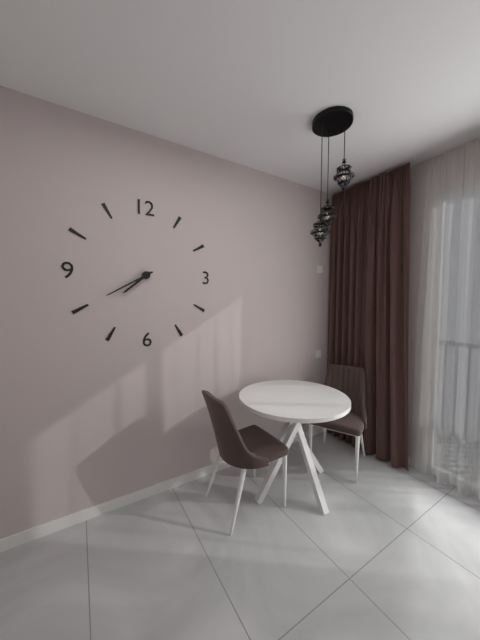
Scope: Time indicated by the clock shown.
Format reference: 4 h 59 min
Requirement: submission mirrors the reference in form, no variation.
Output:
7 h 40 min
